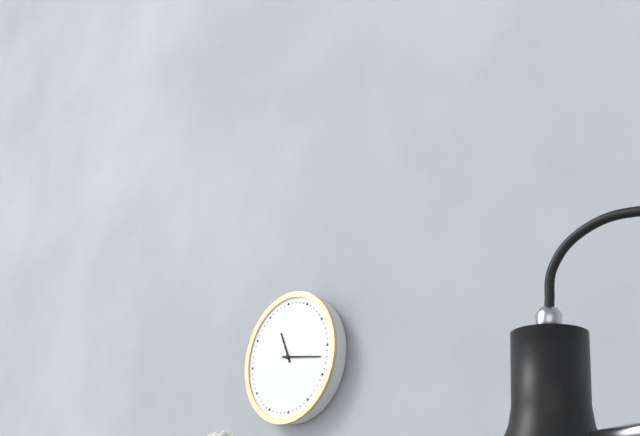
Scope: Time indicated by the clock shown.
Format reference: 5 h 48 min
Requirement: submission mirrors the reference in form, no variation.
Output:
11 h 17 min
